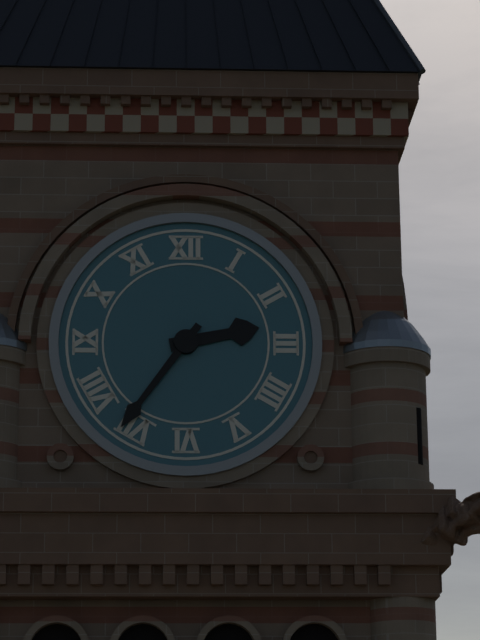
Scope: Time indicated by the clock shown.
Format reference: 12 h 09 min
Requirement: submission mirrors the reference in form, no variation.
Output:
2 h 36 min
